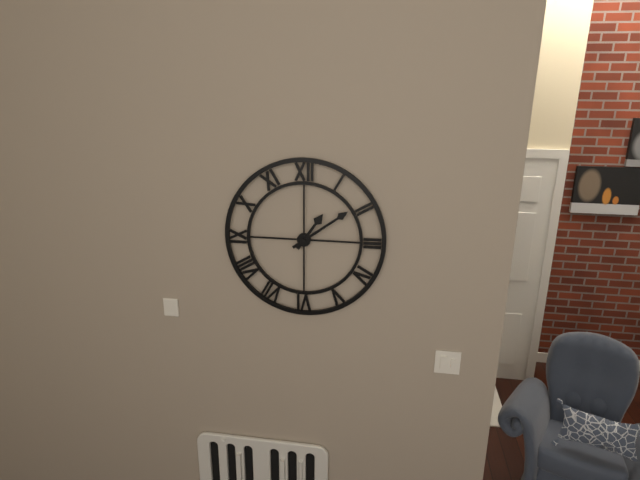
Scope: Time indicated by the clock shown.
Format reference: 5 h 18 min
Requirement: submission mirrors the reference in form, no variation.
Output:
1 h 09 min
